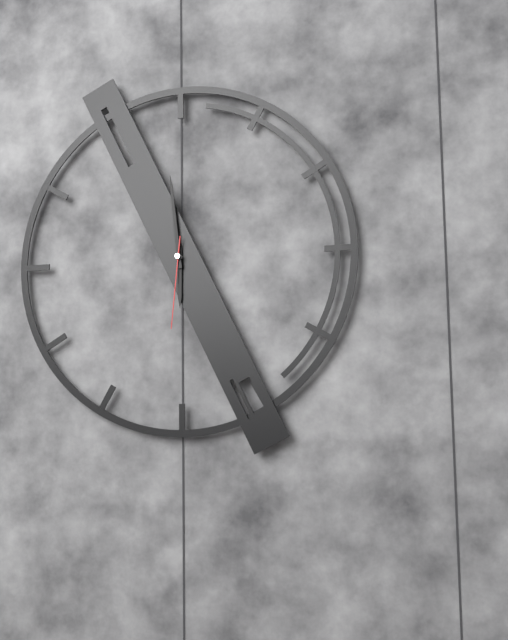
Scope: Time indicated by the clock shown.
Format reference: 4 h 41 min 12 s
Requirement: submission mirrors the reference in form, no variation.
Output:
5 h 59 min 31 s
